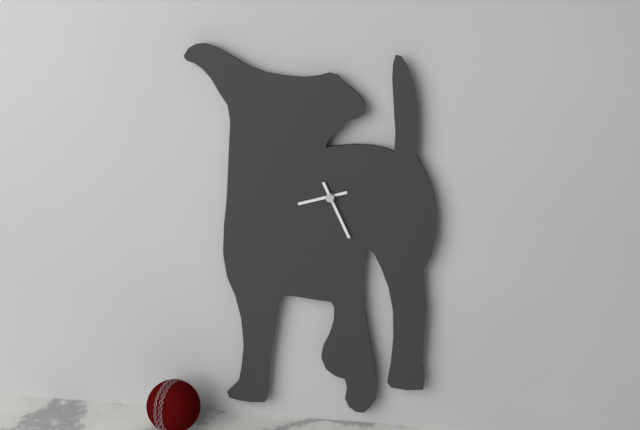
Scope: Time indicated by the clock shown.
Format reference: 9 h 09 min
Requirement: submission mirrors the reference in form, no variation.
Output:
8 h 26 min
